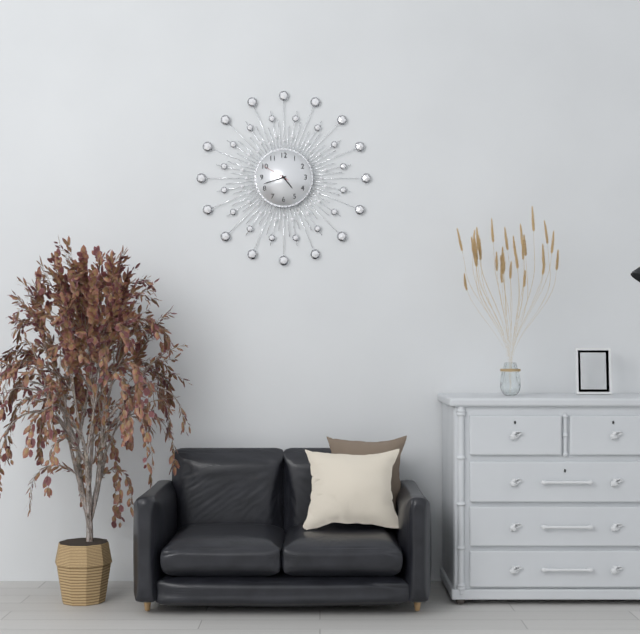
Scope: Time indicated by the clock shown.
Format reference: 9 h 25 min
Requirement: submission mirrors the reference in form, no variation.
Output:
4 h 42 min
